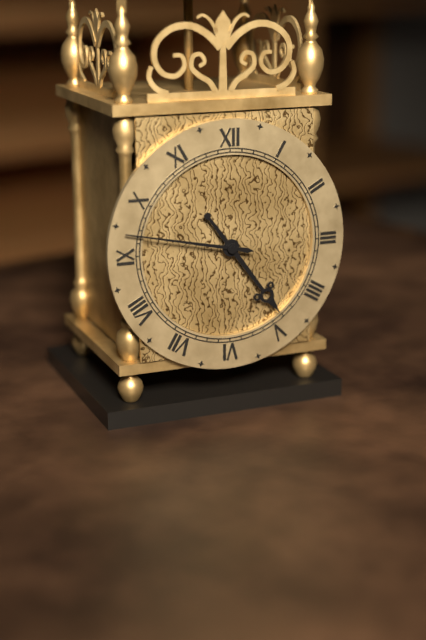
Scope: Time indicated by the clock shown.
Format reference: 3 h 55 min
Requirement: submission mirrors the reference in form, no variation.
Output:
4 h 47 min
